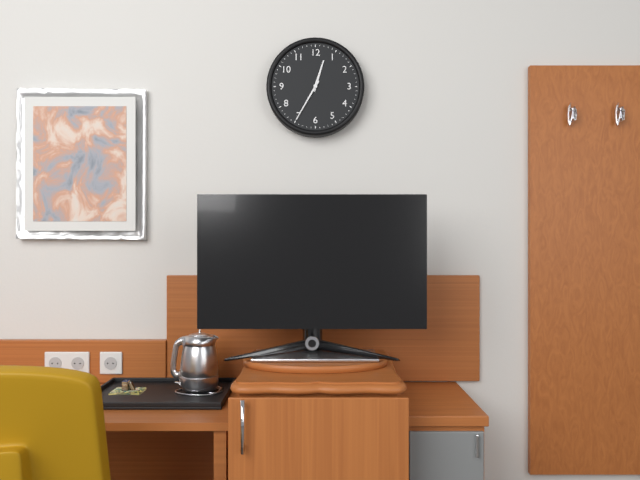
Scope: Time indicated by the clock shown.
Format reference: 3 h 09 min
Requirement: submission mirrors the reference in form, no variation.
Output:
12 h 35 min
